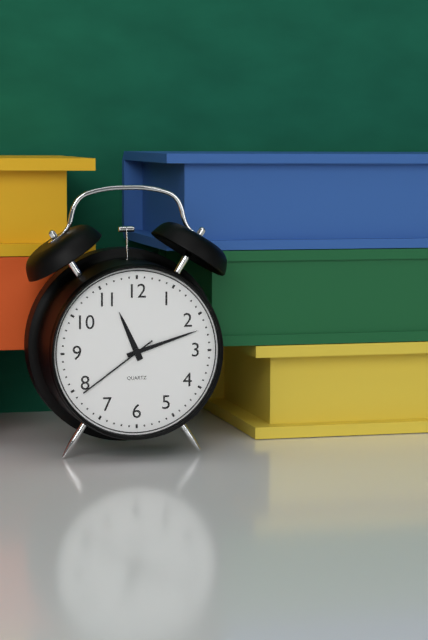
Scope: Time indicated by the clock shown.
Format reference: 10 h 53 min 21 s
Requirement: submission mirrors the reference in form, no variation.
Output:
11 h 12 min 39 s
